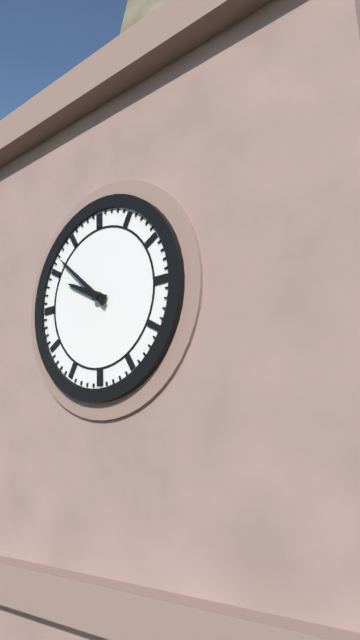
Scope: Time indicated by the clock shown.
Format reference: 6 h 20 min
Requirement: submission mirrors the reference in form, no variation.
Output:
9 h 52 min
